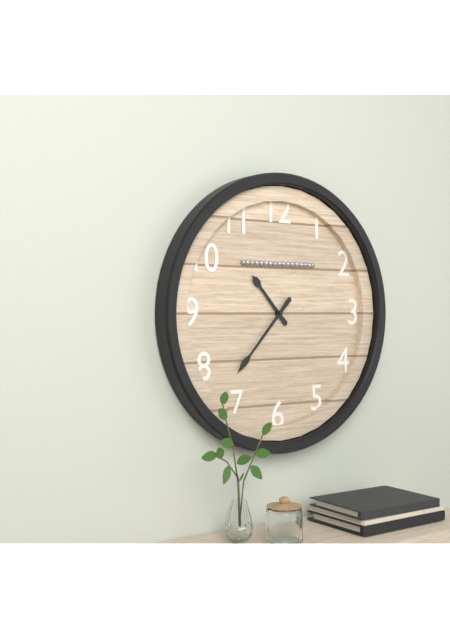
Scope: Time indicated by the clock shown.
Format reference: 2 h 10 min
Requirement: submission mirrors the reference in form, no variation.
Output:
10 h 37 min
